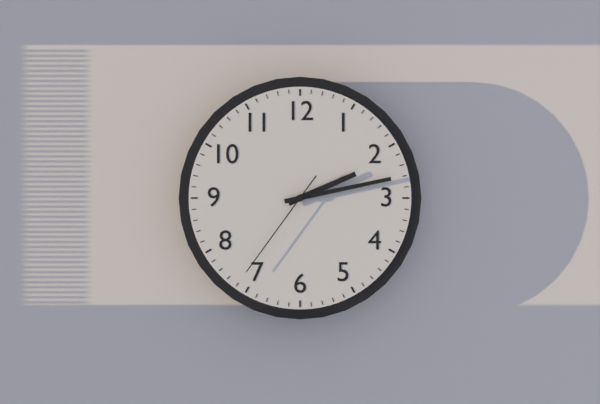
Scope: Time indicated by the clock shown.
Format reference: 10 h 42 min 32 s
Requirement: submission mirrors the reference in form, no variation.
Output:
2 h 13 min 36 s
